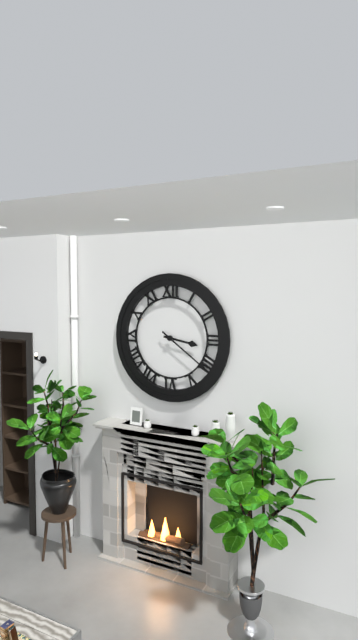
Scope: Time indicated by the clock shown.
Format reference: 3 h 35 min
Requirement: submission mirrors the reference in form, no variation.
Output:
3 h 21 min
